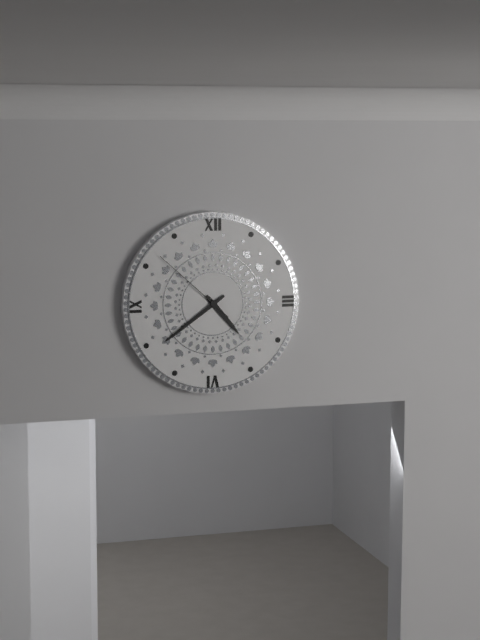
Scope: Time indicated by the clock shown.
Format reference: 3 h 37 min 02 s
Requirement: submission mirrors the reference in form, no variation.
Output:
4 h 39 min 52 s
